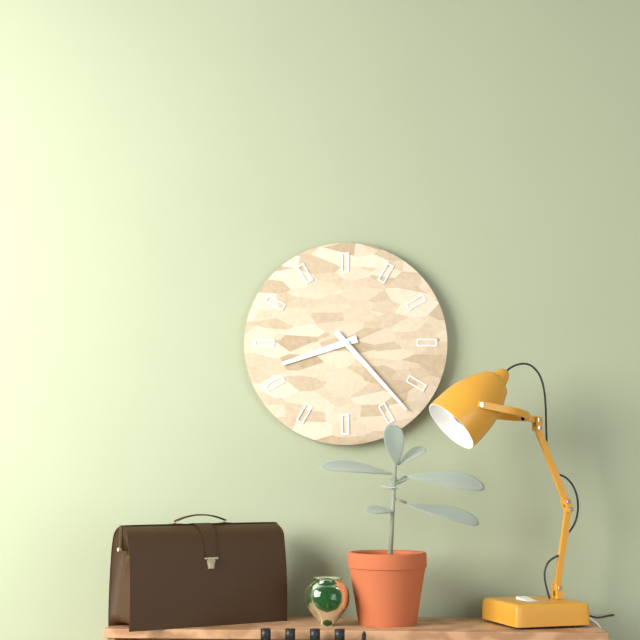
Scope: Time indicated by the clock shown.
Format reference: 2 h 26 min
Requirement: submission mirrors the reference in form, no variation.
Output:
8 h 23 min
